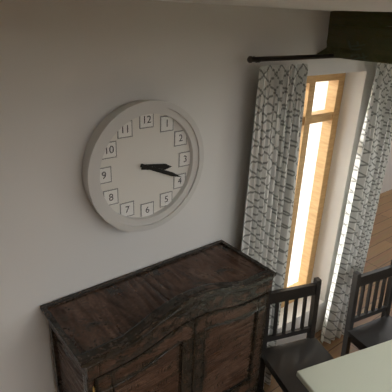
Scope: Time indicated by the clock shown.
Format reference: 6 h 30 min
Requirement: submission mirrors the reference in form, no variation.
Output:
3 h 19 min
